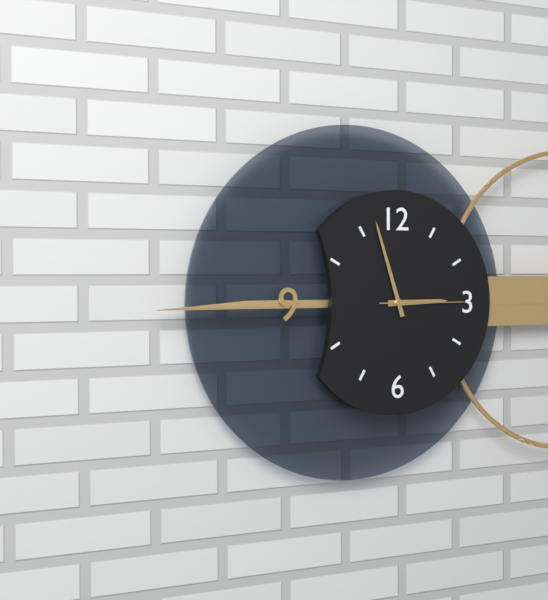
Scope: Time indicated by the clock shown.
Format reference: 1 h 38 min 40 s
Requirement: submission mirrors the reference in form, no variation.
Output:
2 h 57 min 15 s
